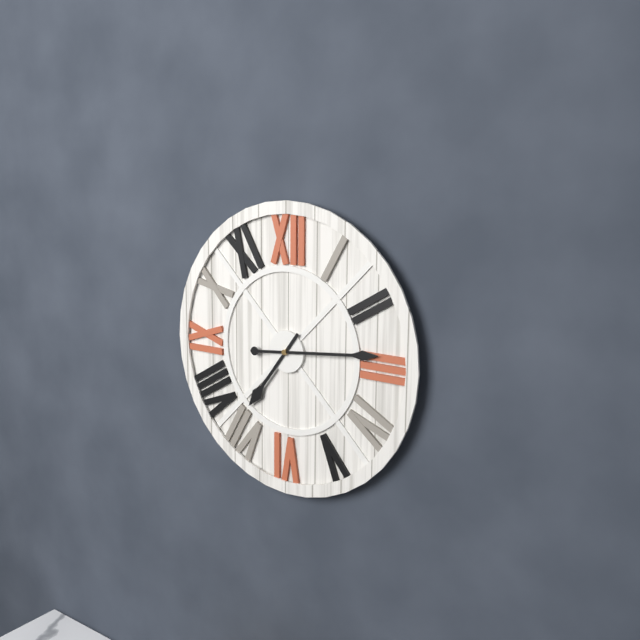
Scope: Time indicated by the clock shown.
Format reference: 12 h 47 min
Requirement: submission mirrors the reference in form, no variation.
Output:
7 h 14 min
